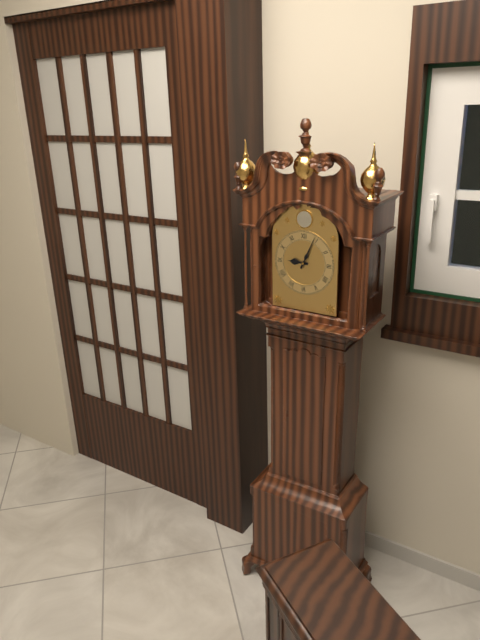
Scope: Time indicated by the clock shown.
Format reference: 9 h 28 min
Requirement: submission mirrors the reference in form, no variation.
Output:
9 h 04 min
